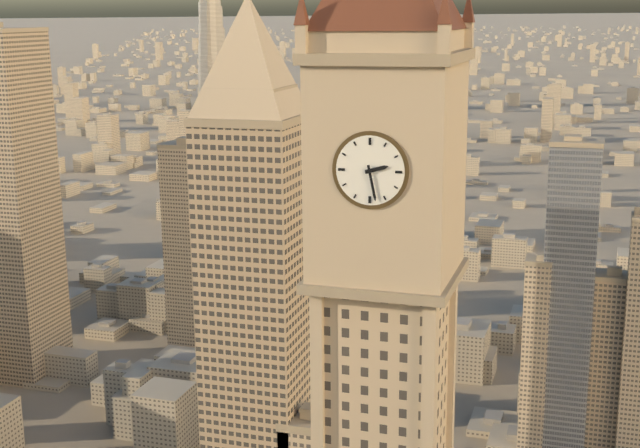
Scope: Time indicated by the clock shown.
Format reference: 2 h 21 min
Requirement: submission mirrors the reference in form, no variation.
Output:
2 h 28 min
